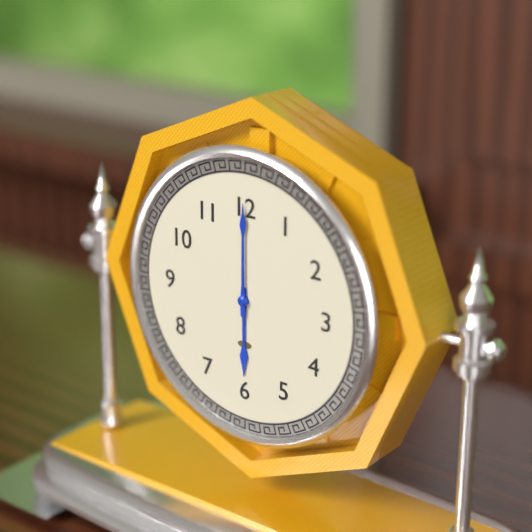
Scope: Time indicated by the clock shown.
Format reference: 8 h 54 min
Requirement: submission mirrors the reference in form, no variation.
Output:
6 h 00 min
